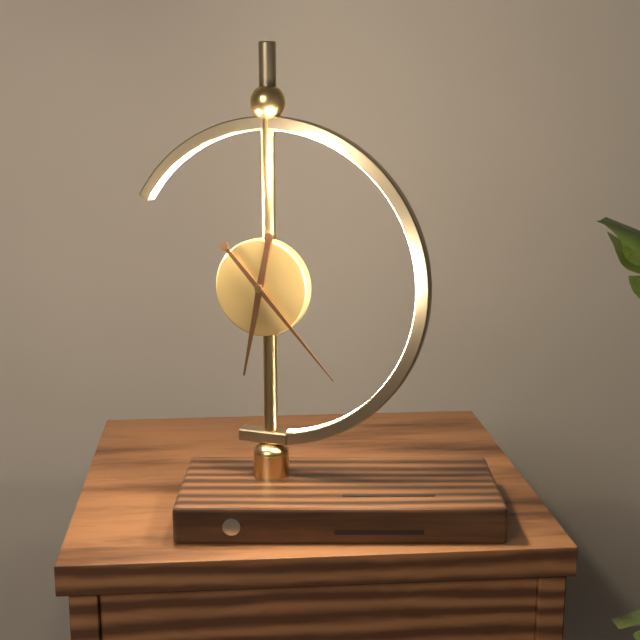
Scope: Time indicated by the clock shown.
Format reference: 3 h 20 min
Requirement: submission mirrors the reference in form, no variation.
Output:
6 h 23 min
